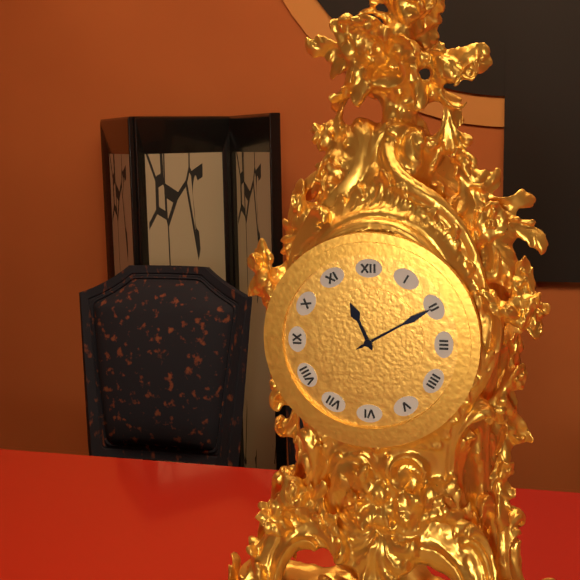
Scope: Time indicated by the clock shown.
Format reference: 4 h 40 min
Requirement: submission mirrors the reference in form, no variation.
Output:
11 h 10 min
